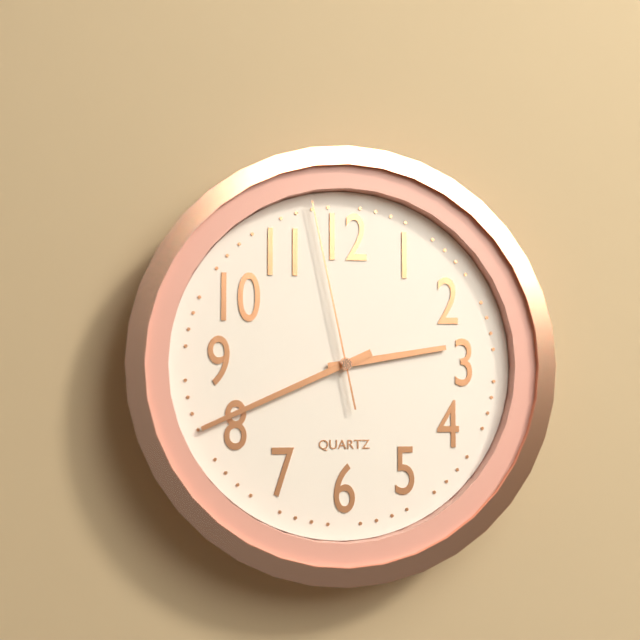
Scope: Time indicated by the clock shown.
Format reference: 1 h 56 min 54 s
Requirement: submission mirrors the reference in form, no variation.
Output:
2 h 41 min 58 s
